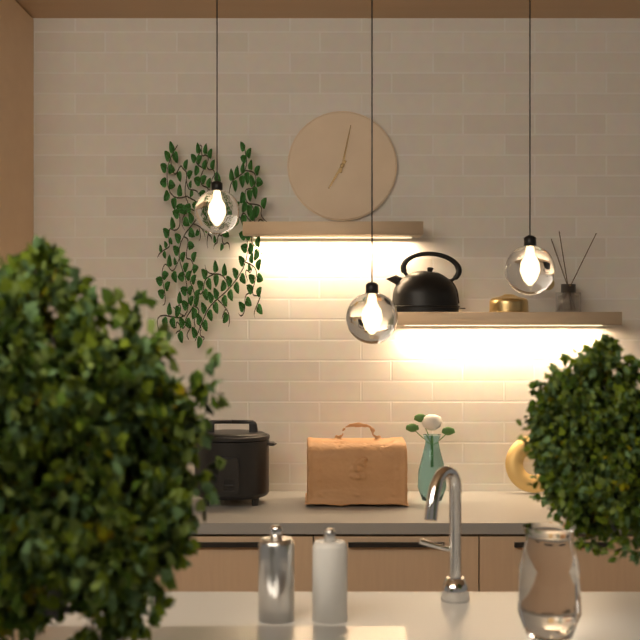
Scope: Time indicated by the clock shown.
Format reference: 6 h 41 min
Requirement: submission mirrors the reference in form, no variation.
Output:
7 h 02 min
